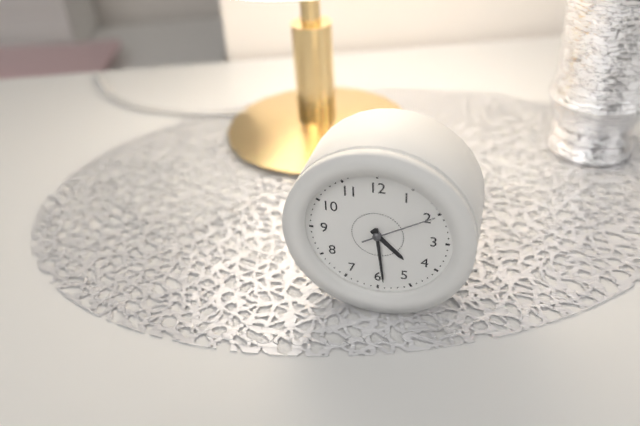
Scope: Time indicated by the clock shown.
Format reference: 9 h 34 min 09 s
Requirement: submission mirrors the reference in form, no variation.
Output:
4 h 29 min 10 s
